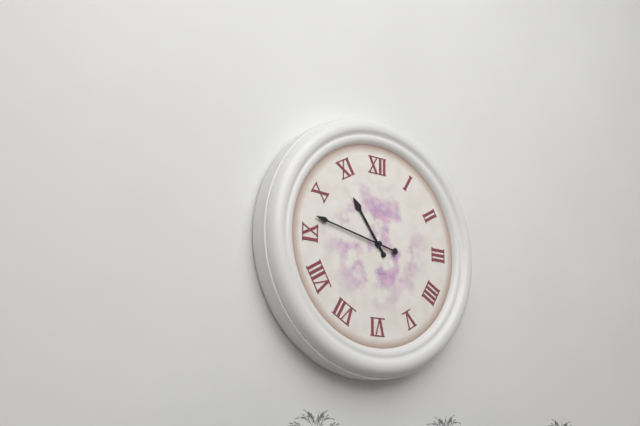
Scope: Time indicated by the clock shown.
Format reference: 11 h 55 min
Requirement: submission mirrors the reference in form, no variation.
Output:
10 h 47 min
